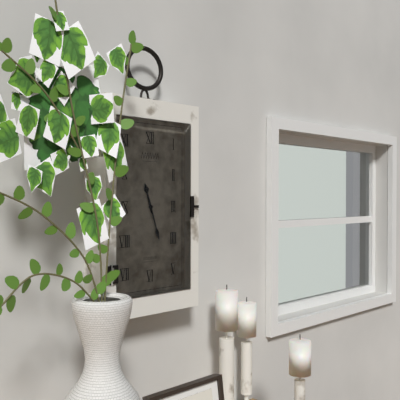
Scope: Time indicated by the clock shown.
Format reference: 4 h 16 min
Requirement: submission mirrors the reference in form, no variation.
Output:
11 h 27 min
